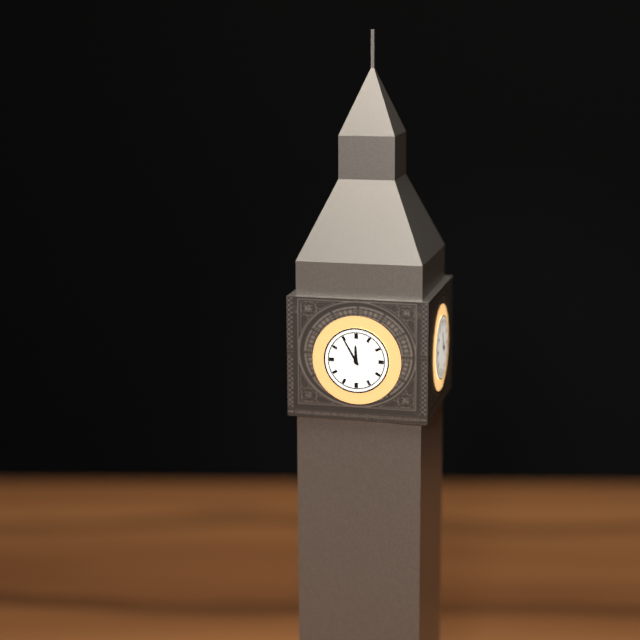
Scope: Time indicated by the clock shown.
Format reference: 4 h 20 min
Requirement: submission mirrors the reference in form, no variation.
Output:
11 h 55 min
